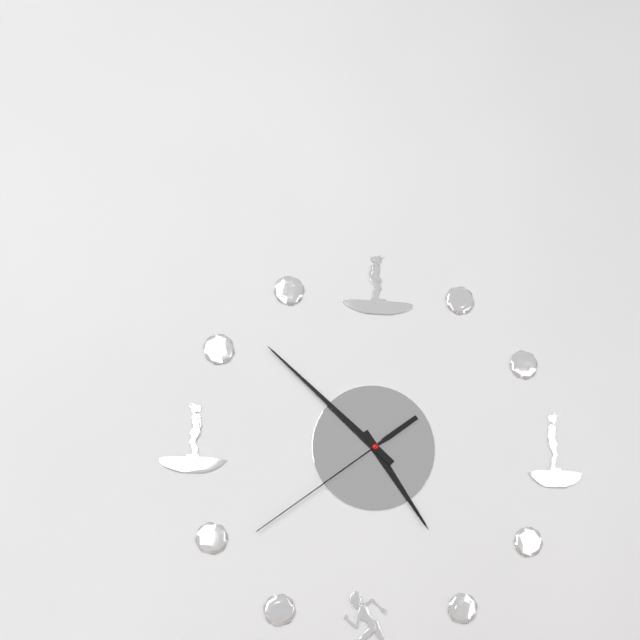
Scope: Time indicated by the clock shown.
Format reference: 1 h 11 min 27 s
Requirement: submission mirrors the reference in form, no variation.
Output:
4 h 52 min 39 s
